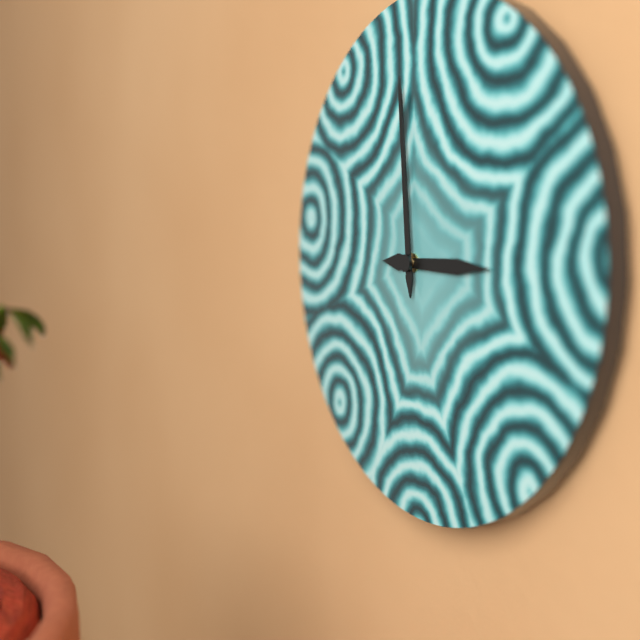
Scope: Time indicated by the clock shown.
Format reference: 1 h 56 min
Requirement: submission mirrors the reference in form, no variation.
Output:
2 h 59 min
